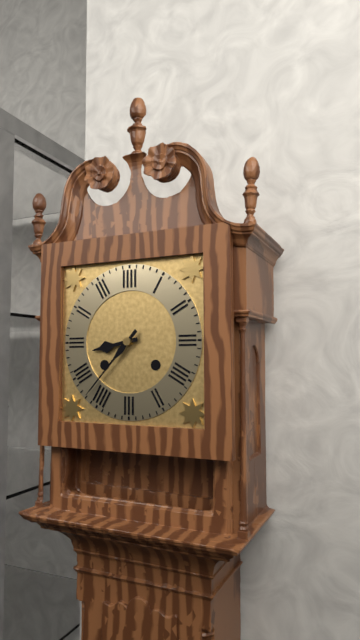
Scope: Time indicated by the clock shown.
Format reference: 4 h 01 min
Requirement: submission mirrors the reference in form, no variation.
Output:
8 h 37 min
